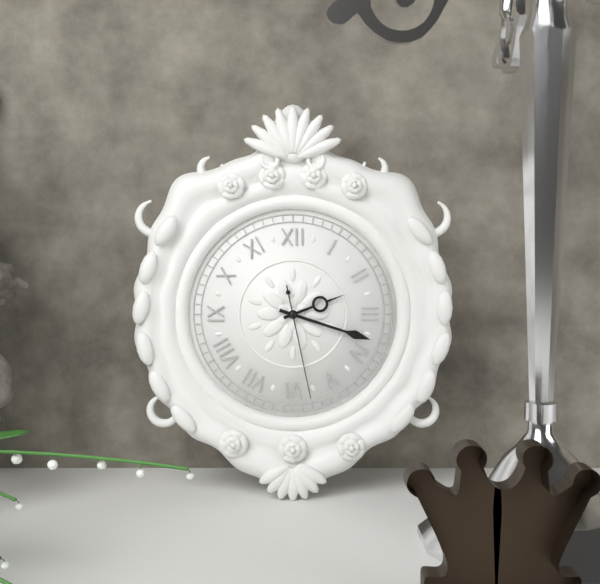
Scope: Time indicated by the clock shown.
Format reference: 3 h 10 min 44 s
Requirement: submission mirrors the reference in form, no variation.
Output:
2 h 18 min 28 s
